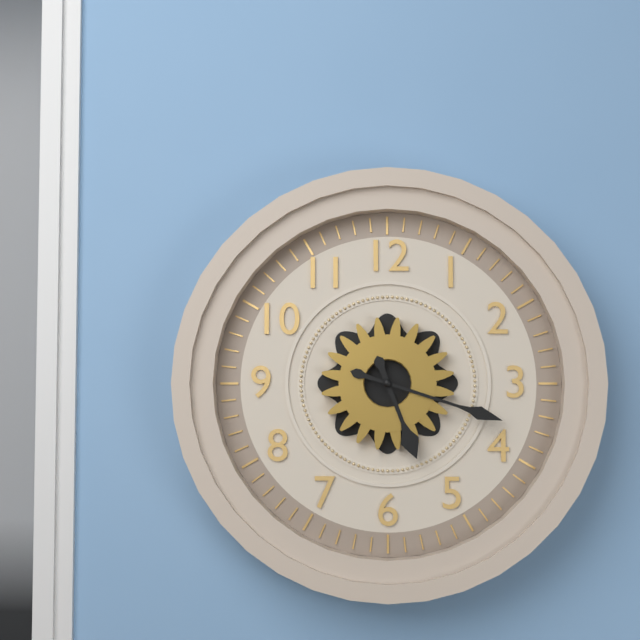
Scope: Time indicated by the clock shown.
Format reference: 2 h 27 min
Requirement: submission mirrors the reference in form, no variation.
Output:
5 h 18 min
